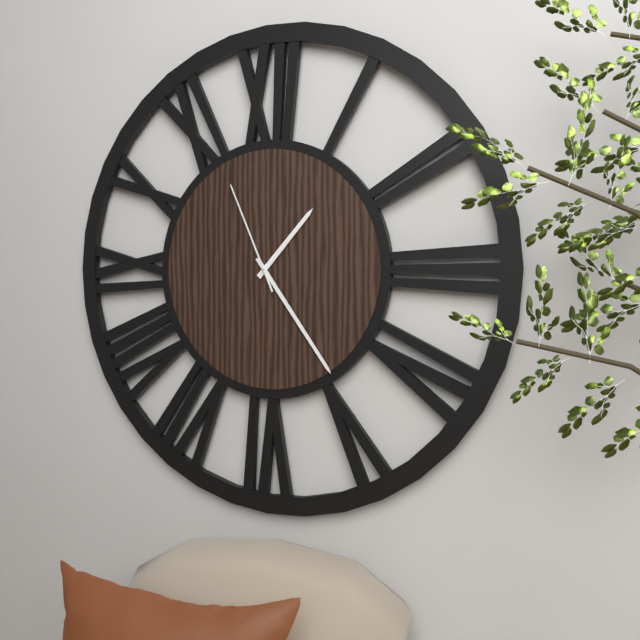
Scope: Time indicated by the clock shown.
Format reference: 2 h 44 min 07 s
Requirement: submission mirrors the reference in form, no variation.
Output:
1 h 24 min 56 s
